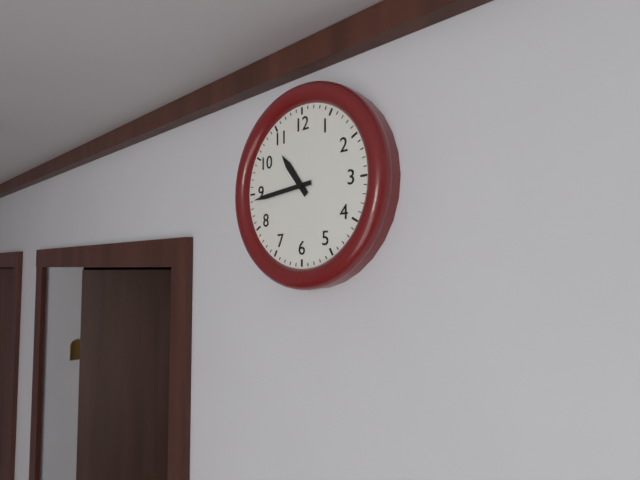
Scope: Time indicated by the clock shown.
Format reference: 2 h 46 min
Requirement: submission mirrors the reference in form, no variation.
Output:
10 h 44 min
